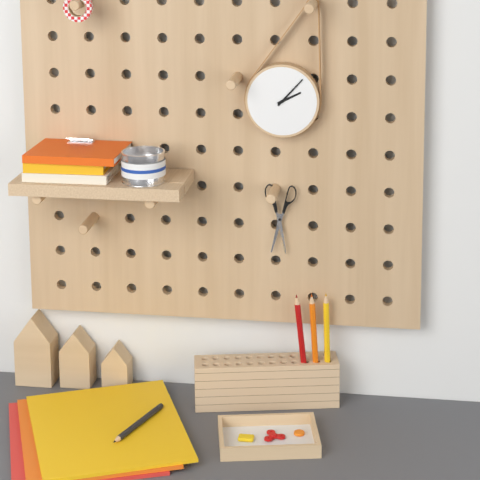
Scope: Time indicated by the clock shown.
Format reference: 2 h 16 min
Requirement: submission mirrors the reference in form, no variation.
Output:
2 h 07 min
